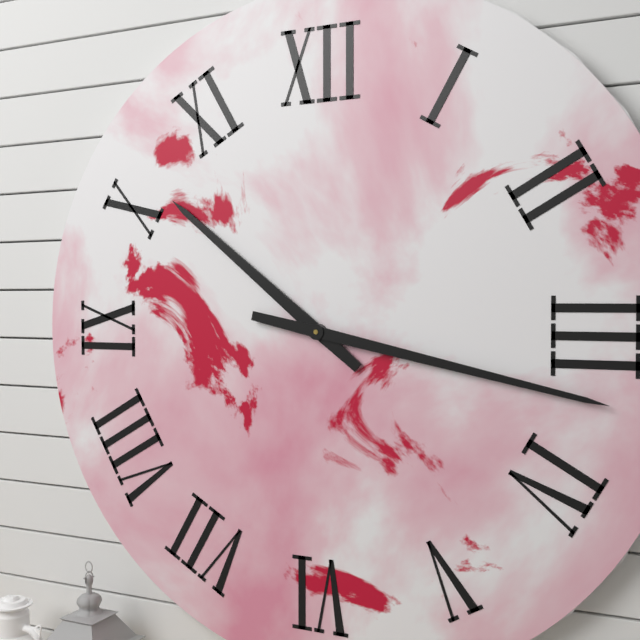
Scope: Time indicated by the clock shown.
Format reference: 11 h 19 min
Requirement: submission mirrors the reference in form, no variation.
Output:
10 h 17 min
